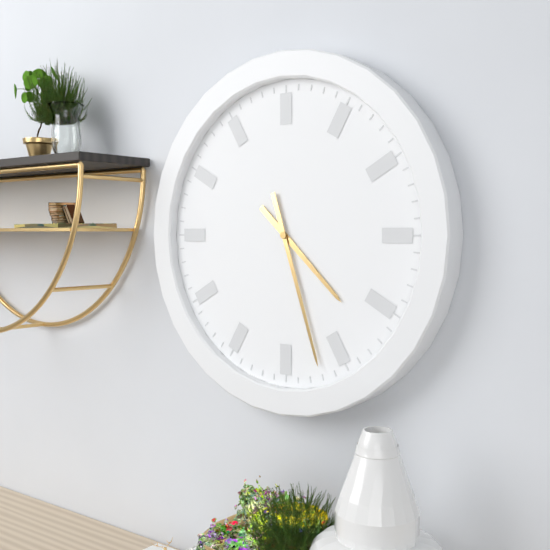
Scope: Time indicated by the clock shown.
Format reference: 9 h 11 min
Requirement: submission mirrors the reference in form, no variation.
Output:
4 h 27 min
